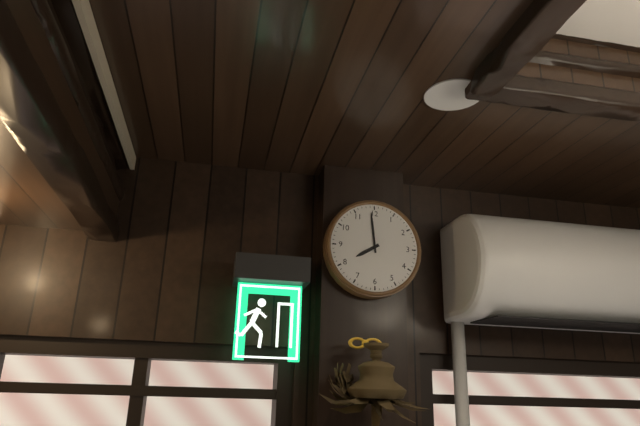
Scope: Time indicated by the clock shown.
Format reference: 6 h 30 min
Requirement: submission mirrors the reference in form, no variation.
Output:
7 h 59 min
